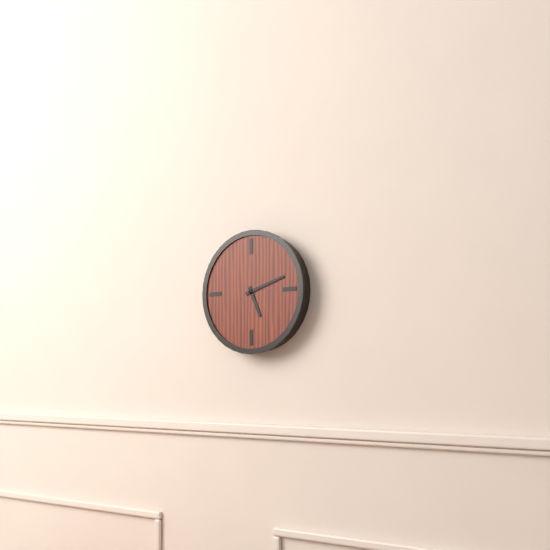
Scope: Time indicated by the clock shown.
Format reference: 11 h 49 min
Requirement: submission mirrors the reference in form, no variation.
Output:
5 h 12 min
